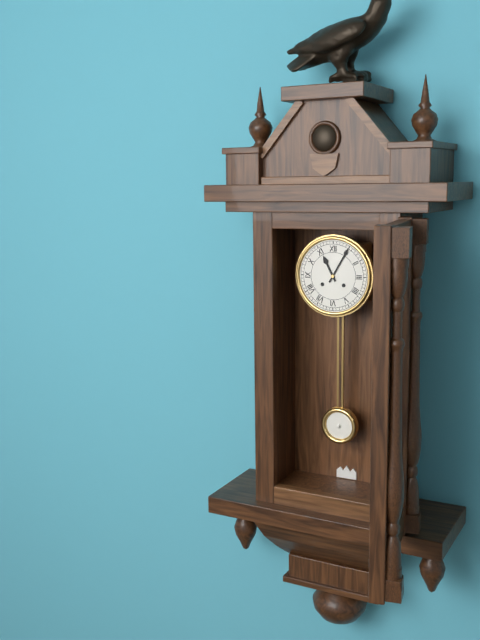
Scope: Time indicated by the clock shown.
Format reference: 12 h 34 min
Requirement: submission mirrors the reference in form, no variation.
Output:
11 h 05 min
